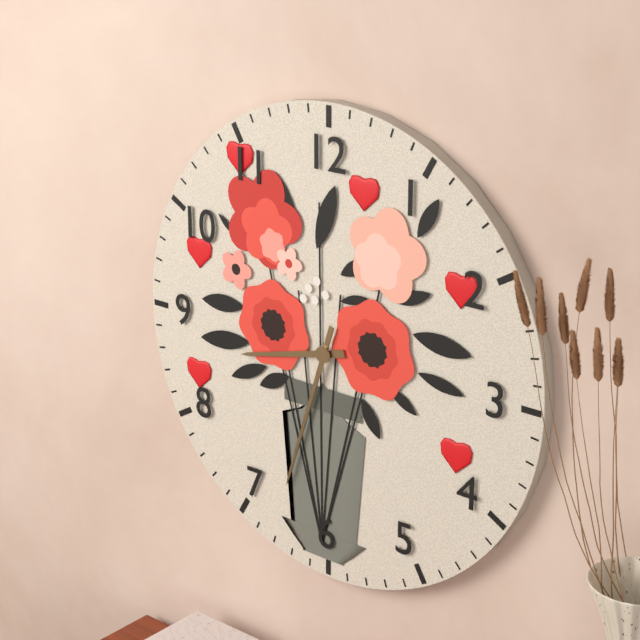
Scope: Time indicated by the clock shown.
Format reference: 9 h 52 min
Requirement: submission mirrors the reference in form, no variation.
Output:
8 h 33 min
